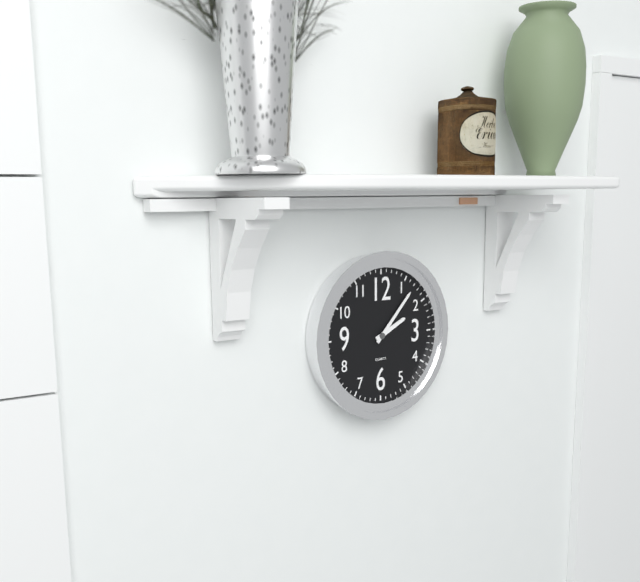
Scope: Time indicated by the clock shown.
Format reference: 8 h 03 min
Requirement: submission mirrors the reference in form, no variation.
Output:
2 h 07 min
